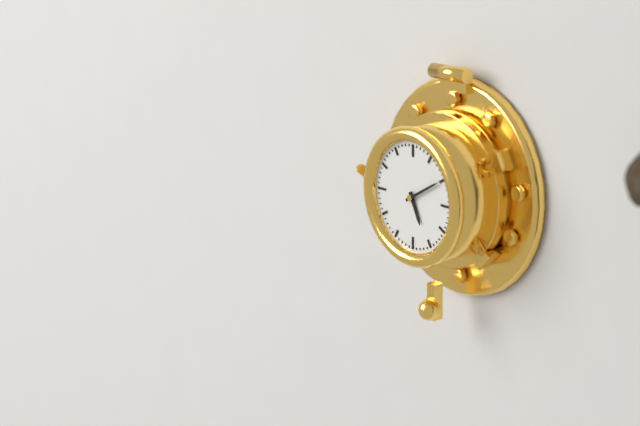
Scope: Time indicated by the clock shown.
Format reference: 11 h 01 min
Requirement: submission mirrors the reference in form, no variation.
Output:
5 h 10 min
